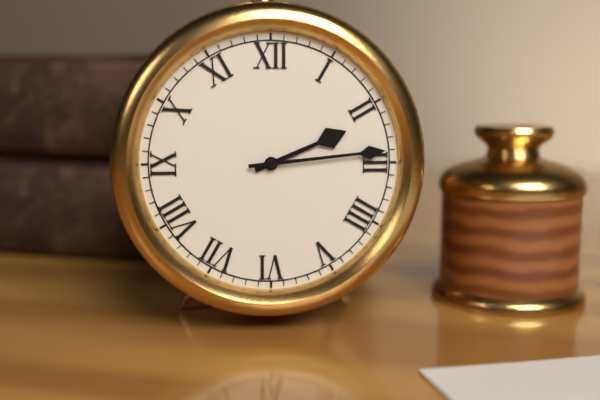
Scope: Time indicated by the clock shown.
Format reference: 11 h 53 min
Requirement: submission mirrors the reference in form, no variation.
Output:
2 h 14 min
